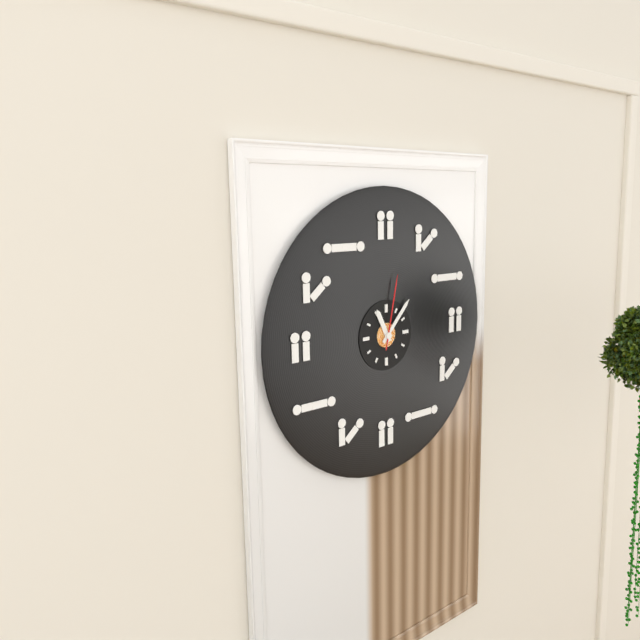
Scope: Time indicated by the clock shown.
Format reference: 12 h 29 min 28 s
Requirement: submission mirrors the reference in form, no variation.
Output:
11 h 07 min 02 s
